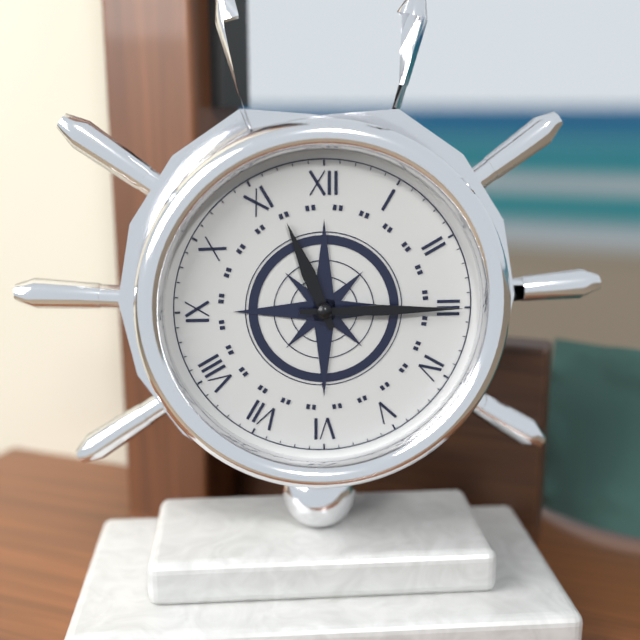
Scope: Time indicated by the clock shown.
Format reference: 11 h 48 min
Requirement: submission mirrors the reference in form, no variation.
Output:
11 h 15 min
